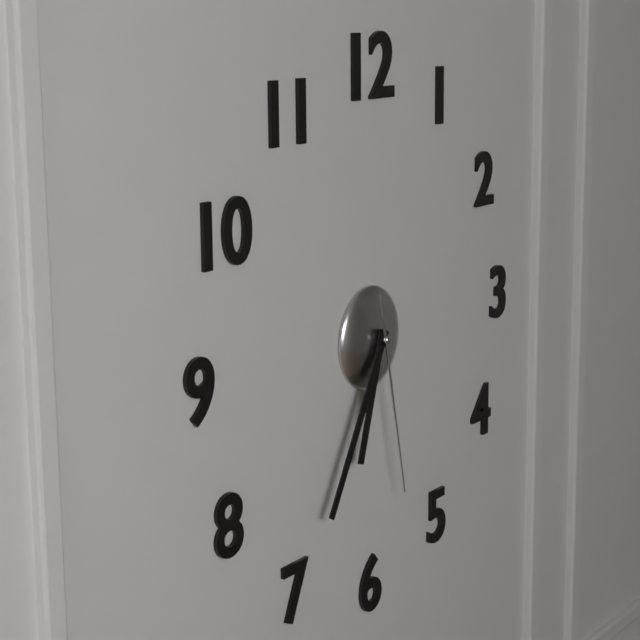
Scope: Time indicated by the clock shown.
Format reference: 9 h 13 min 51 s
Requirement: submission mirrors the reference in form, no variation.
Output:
6 h 35 min 28 s
